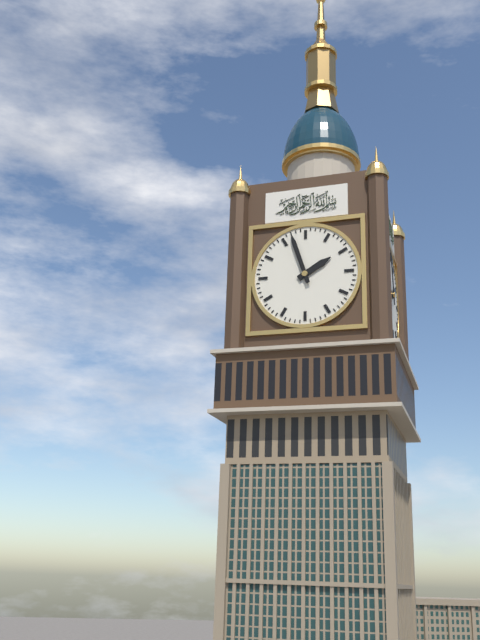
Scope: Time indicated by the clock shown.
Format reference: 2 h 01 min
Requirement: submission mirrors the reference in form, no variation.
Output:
1 h 57 min
